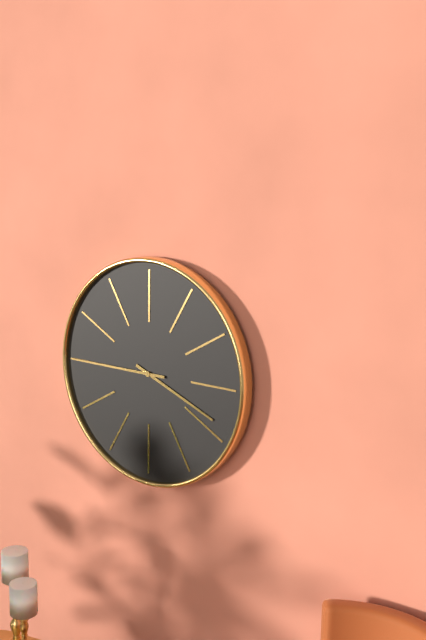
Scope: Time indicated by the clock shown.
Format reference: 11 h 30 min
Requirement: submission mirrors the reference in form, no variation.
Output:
3 h 45 min
